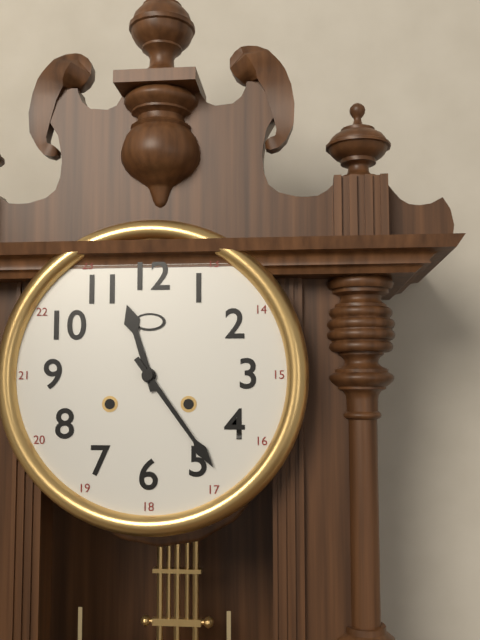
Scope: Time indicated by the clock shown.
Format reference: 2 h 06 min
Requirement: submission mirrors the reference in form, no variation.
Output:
11 h 24 min
